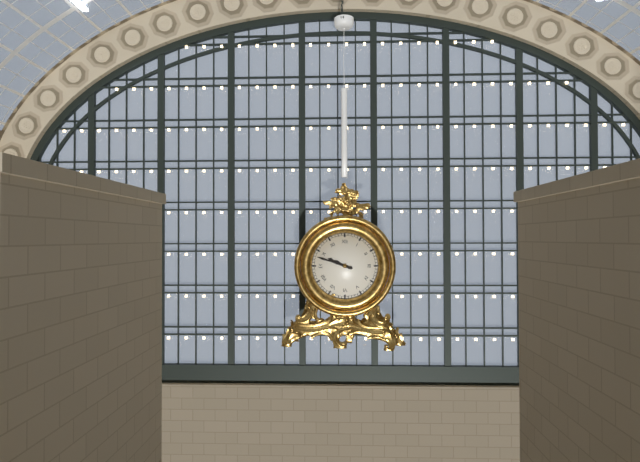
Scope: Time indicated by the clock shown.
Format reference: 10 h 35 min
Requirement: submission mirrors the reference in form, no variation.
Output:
9 h 48 min
